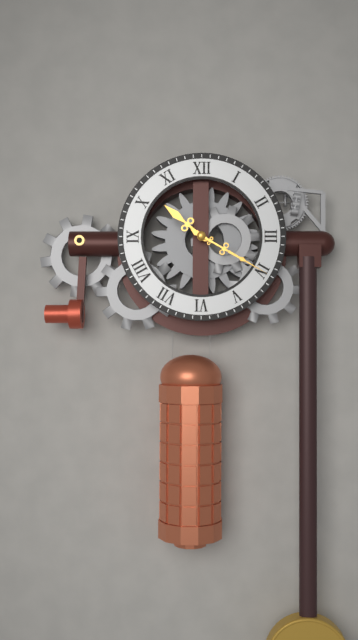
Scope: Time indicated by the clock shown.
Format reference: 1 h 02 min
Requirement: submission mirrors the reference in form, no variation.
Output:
10 h 20 min
